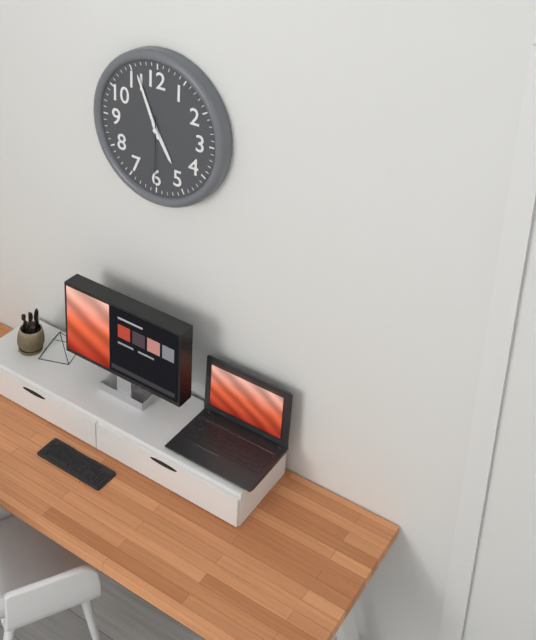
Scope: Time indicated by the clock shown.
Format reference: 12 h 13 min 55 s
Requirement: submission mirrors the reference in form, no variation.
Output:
4 h 56 min 30 s
